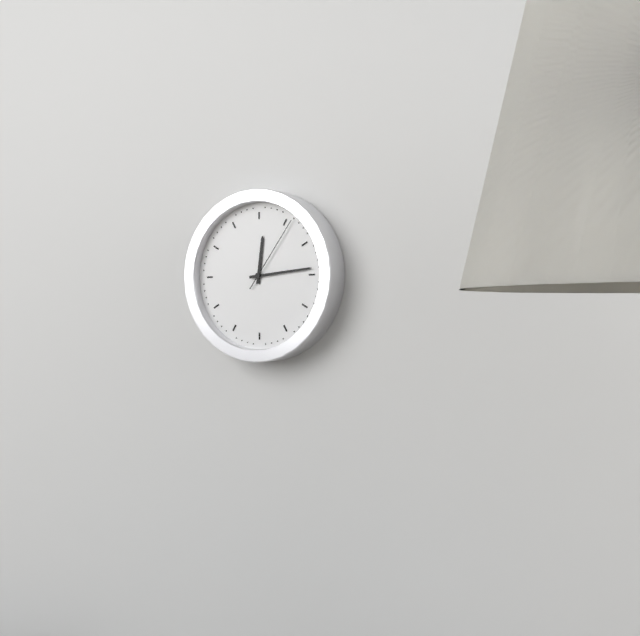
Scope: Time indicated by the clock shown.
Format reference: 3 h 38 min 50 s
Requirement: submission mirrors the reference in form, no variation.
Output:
12 h 14 min 06 s
